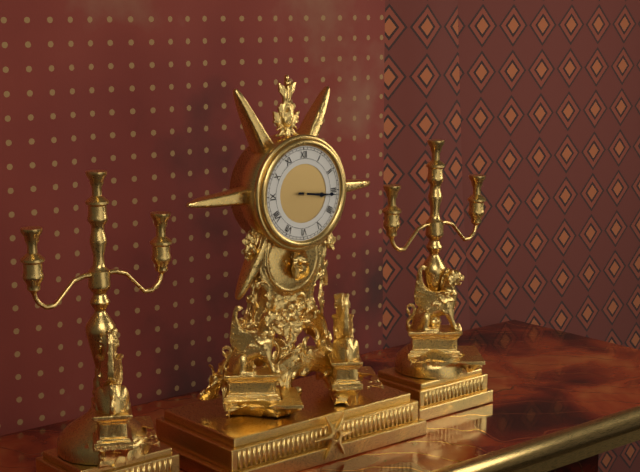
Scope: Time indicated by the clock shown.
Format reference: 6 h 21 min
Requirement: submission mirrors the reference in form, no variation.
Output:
3 h 16 min
